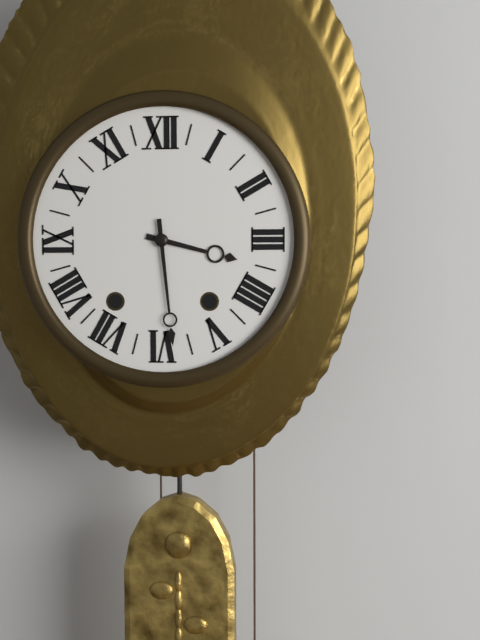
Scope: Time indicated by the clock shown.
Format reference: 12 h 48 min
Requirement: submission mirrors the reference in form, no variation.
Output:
3 h 29 min
